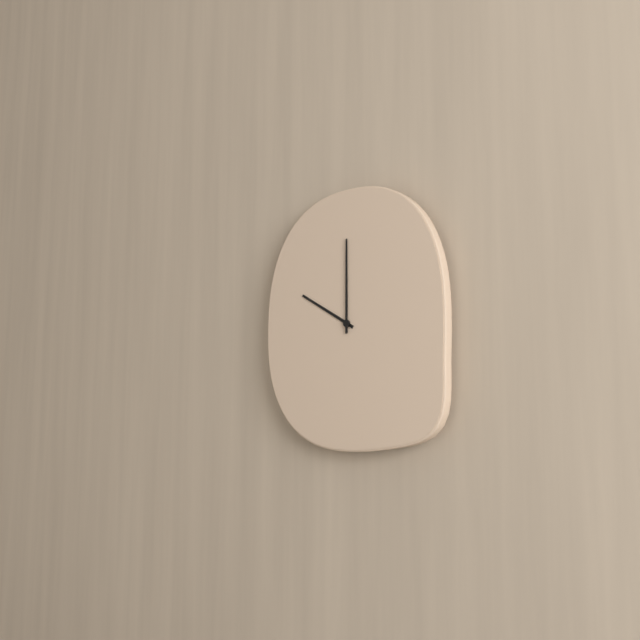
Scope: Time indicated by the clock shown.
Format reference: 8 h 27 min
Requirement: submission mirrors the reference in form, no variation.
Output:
10 h 00 min
